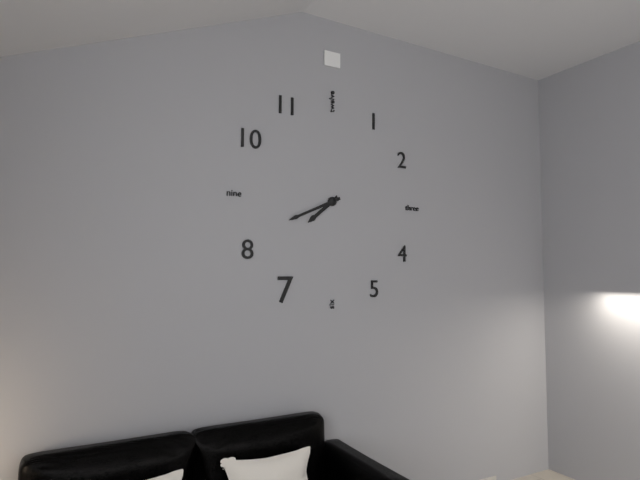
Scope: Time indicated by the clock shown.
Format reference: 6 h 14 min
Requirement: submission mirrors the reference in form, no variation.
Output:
7 h 41 min
